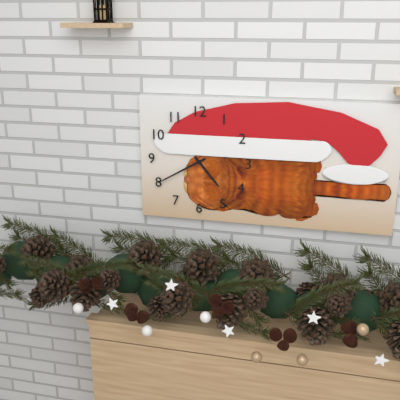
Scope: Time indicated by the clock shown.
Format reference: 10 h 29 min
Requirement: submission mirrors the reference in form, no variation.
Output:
4 h 40 min
